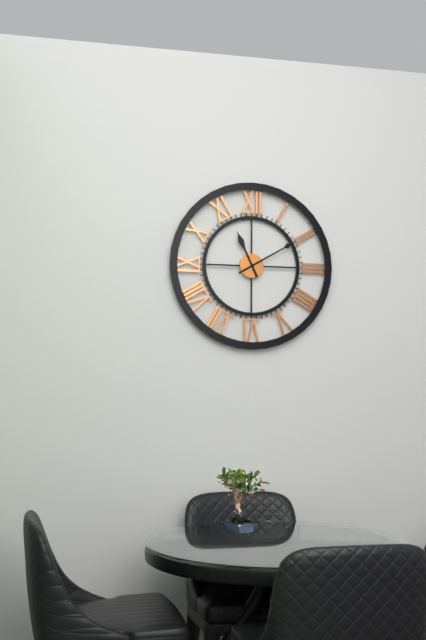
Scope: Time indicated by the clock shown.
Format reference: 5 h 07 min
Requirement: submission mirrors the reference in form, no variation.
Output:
11 h 10 min
